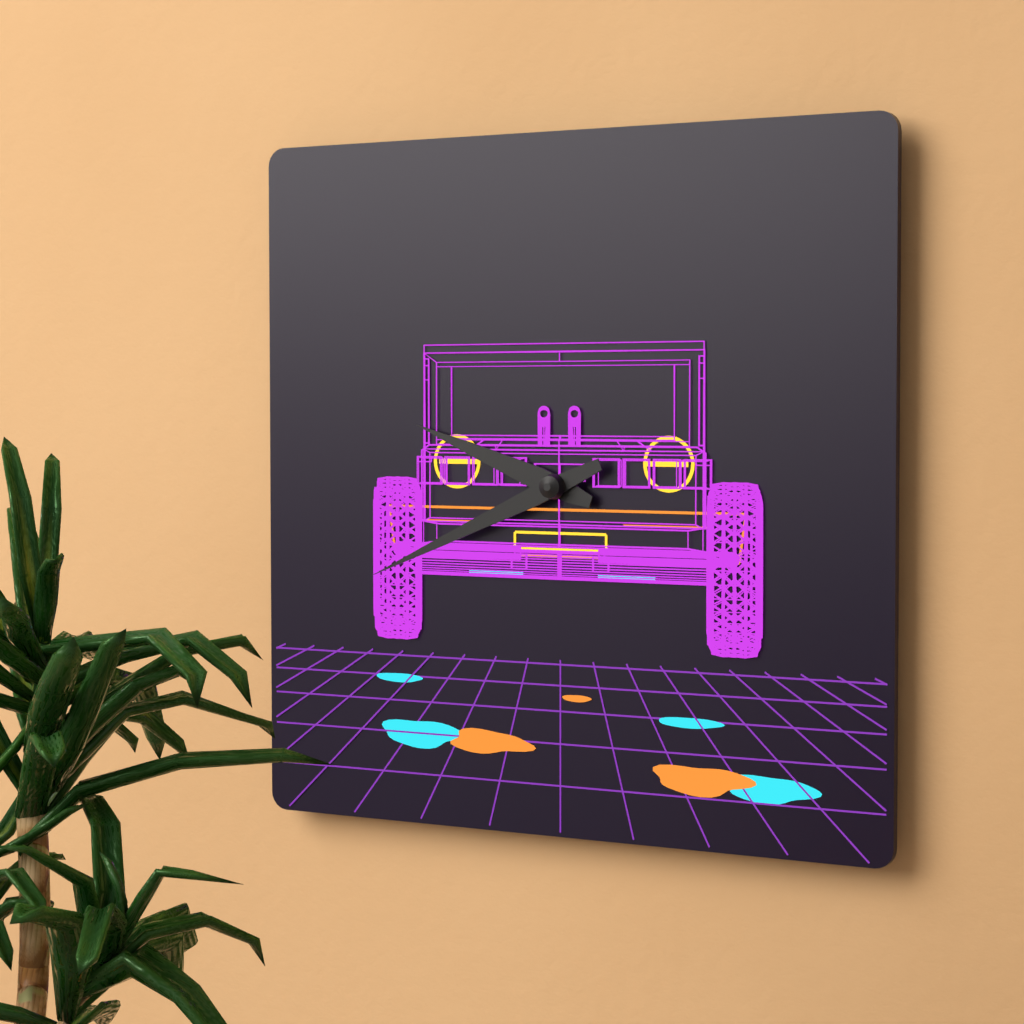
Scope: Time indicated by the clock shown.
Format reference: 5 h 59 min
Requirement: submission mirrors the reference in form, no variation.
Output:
9 h 41 min
